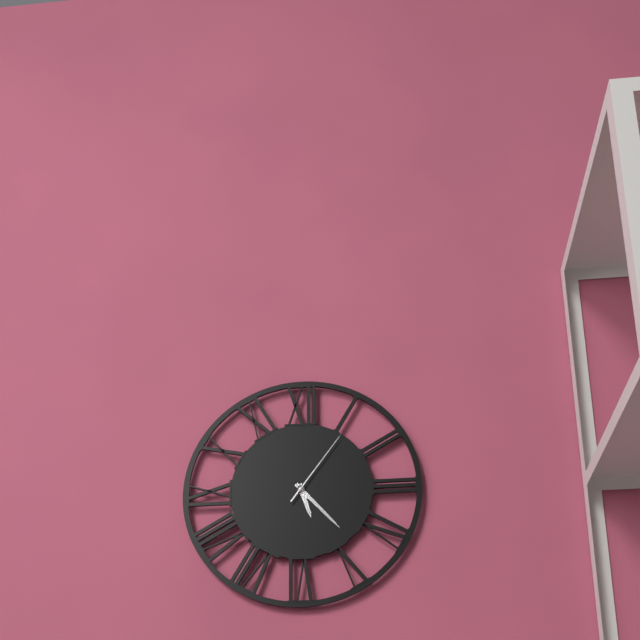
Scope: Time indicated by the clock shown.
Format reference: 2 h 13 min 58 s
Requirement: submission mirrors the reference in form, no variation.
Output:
5 h 23 min 06 s
